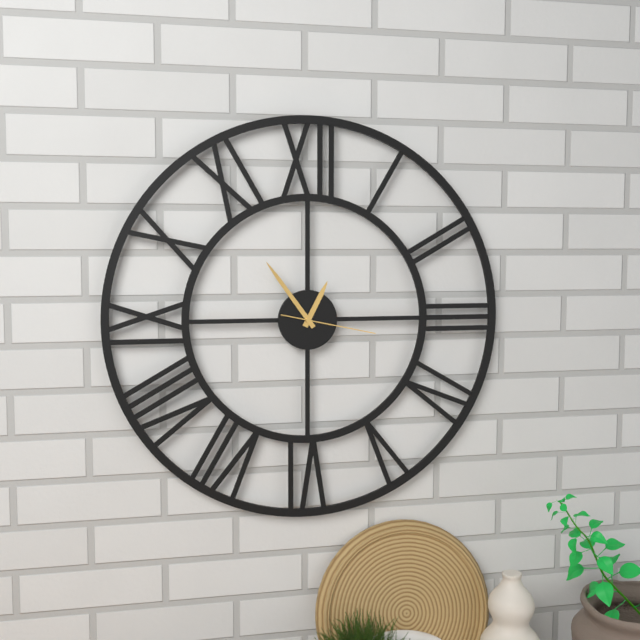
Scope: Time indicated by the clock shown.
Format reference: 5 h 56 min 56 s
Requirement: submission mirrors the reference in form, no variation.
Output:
12 h 54 min 17 s
